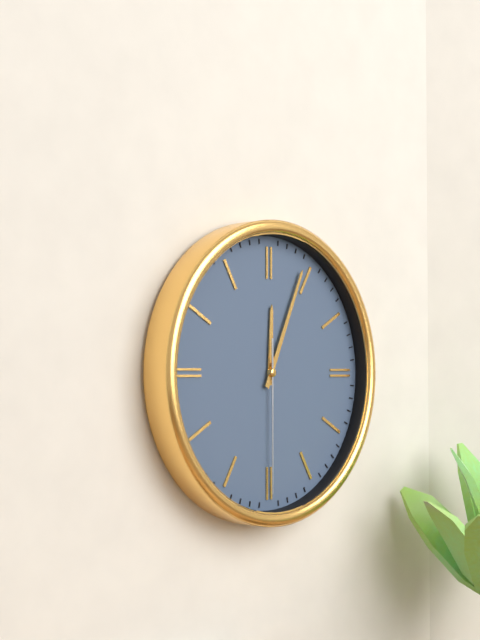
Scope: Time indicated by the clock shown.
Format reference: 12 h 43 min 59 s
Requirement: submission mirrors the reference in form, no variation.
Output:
12 h 04 min 30 s
